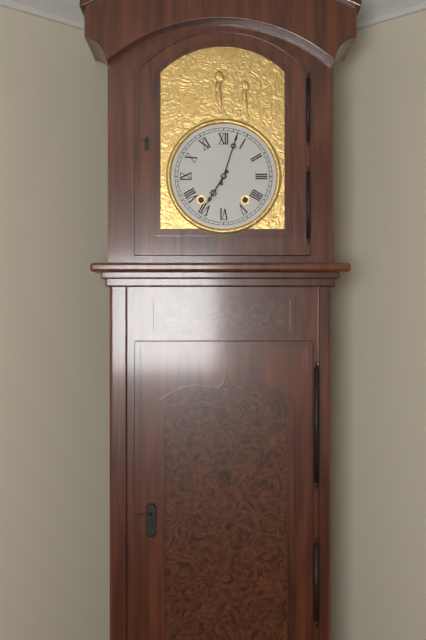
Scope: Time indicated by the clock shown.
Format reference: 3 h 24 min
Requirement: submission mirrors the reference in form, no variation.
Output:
7 h 03 min
